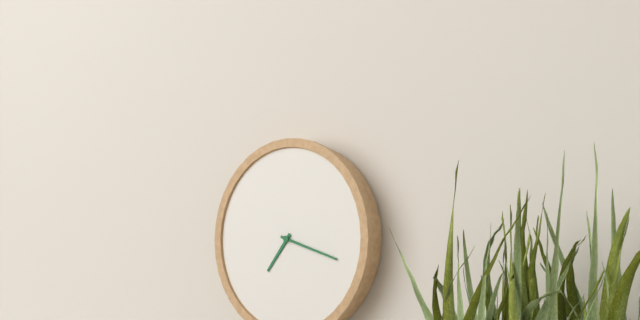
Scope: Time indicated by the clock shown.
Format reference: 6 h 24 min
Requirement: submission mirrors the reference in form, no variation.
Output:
7 h 18 min
